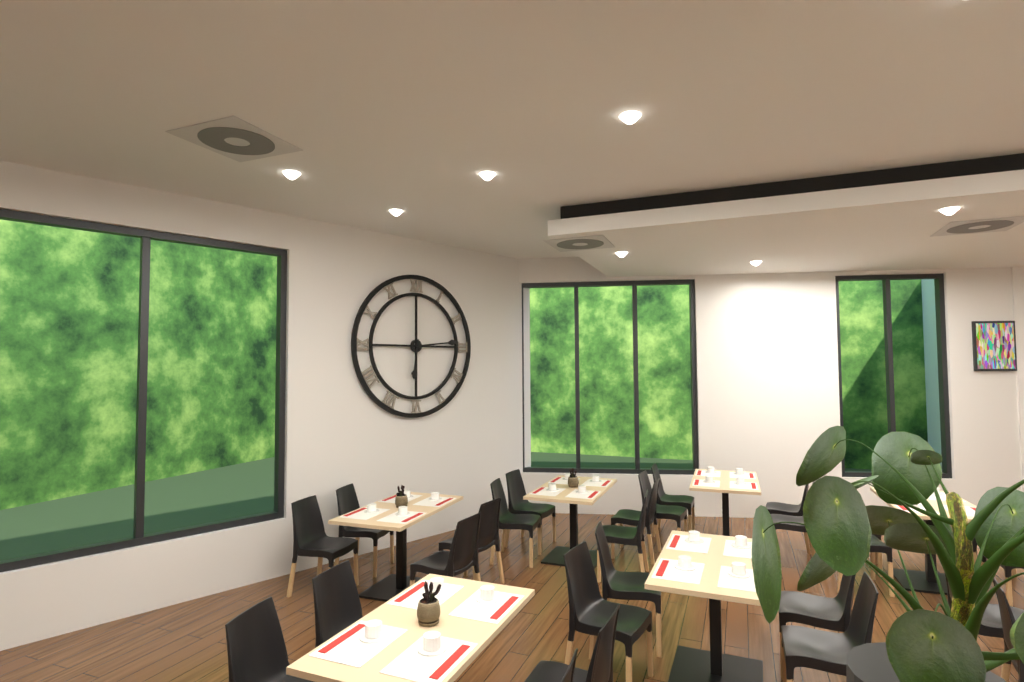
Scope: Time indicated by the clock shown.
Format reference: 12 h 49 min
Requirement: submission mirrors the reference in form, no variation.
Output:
6 h 14 min
